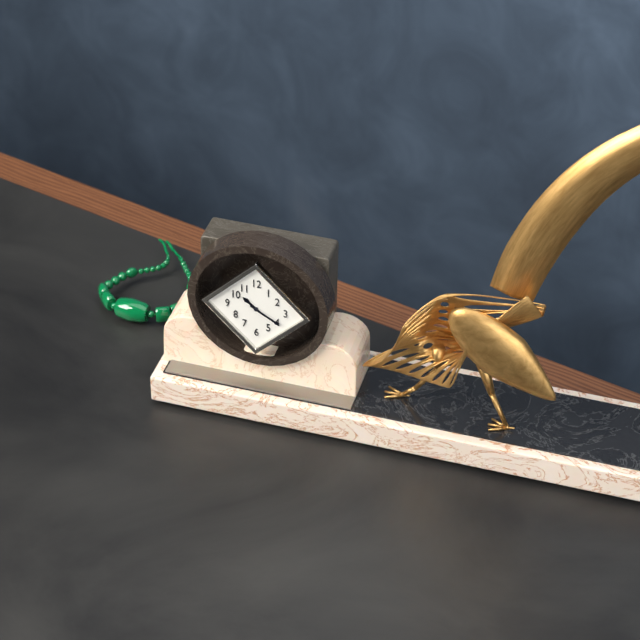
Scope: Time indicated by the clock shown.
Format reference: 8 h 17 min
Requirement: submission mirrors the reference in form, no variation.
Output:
10 h 20 min
